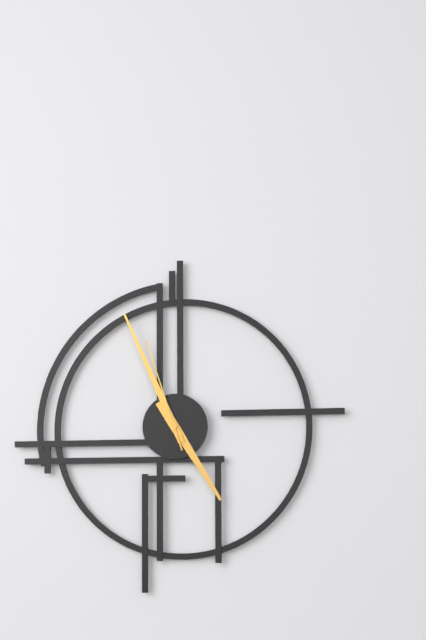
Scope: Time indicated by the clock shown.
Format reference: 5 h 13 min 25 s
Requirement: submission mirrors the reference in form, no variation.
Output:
4 h 56 min 57 s
